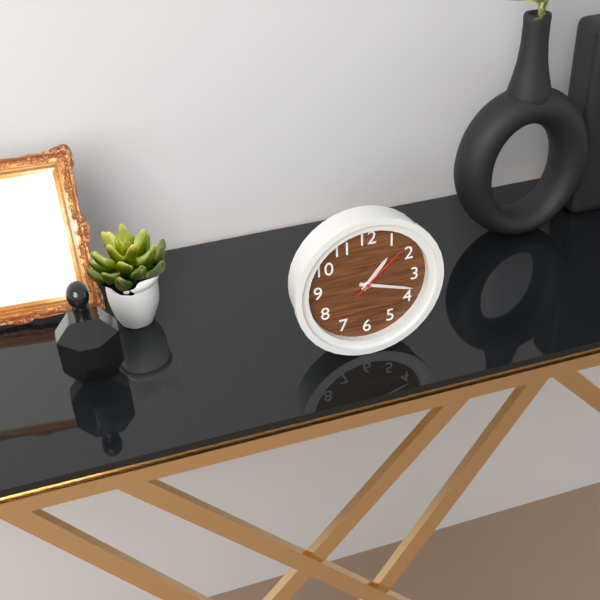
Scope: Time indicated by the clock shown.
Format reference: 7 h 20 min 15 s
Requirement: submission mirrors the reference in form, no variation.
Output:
1 h 18 min 08 s
